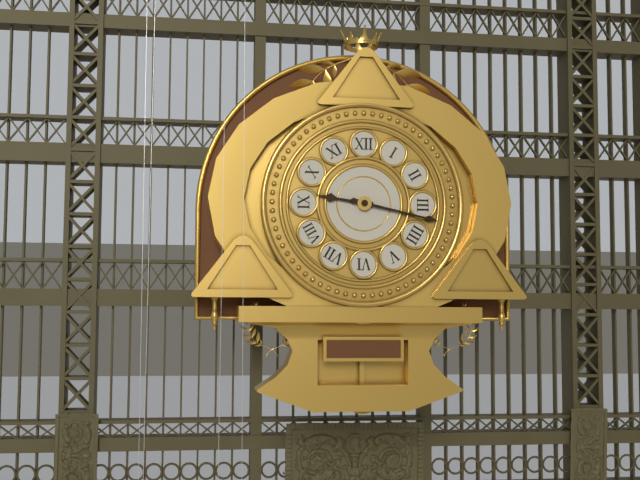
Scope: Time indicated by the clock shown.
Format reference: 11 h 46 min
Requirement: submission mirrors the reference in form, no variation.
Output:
9 h 17 min
